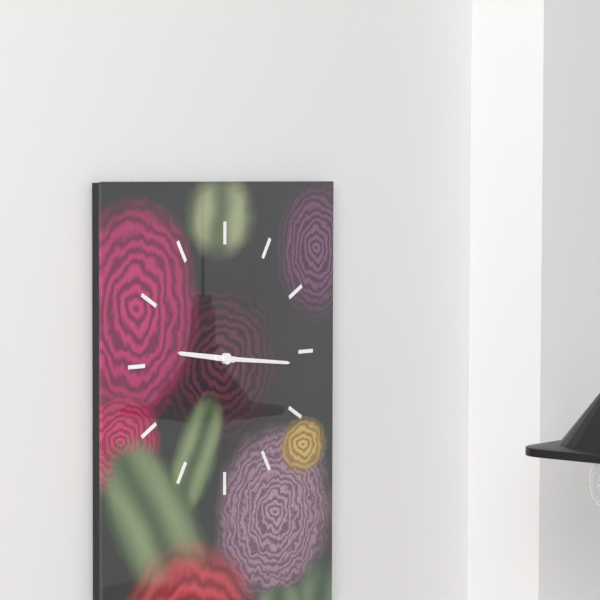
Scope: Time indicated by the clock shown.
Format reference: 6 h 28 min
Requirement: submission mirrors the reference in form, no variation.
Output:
9 h 16 min
